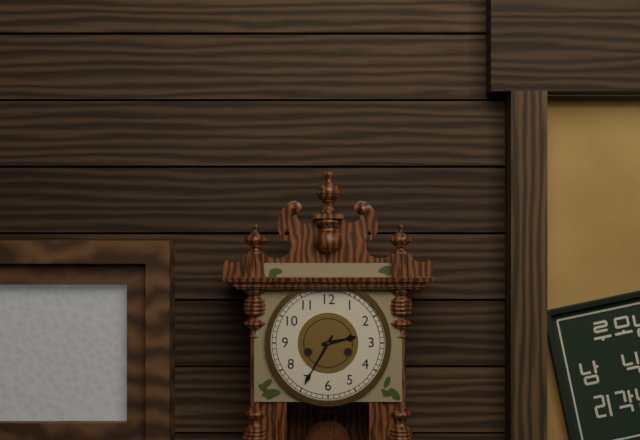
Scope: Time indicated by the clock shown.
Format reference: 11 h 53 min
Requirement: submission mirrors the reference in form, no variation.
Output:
2 h 35 min
